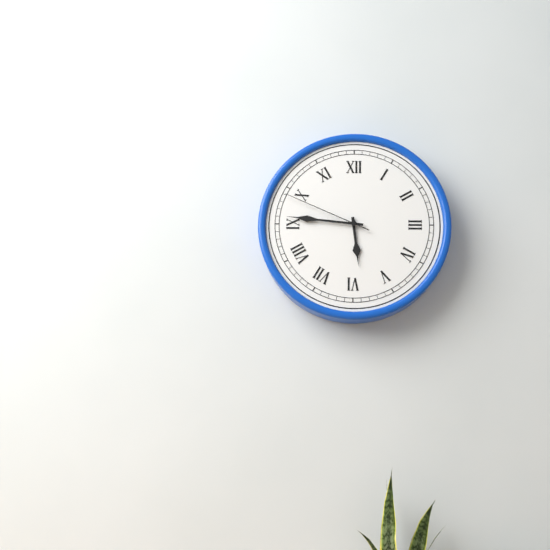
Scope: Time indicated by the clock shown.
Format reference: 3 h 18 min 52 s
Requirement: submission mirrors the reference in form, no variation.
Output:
5 h 46 min 49 s
